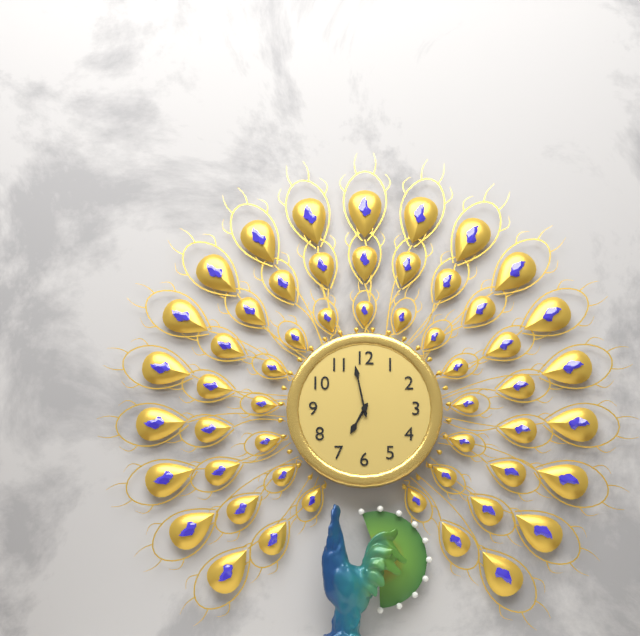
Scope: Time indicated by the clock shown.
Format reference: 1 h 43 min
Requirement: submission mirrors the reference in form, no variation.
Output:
6 h 58 min
